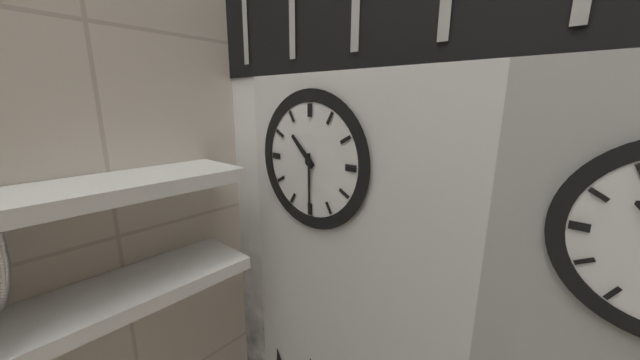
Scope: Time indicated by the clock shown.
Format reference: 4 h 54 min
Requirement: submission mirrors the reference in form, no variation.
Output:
10 h 30 min
